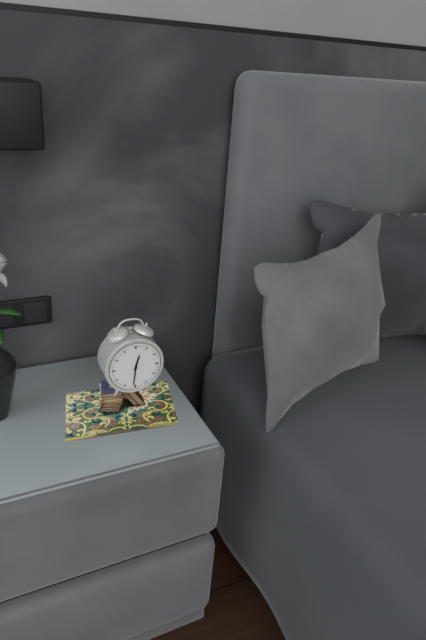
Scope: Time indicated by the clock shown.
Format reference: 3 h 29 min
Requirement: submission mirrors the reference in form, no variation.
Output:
12 h 31 min
